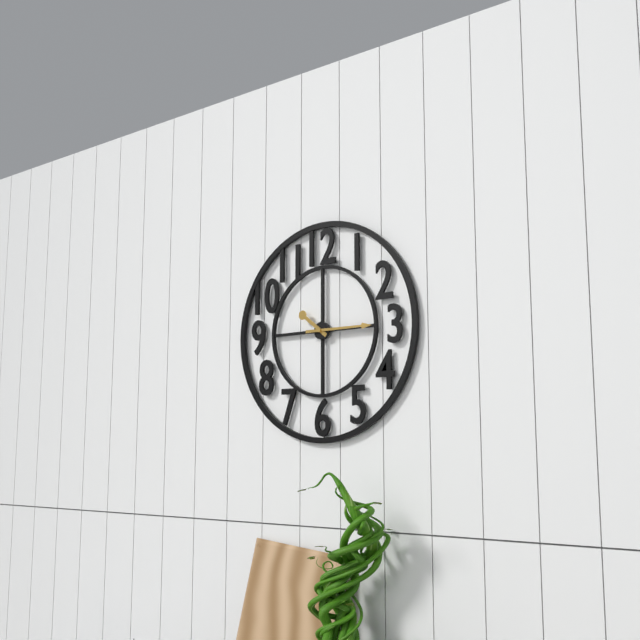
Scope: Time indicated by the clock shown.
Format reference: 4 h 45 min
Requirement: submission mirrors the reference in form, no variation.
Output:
10 h 15 min
